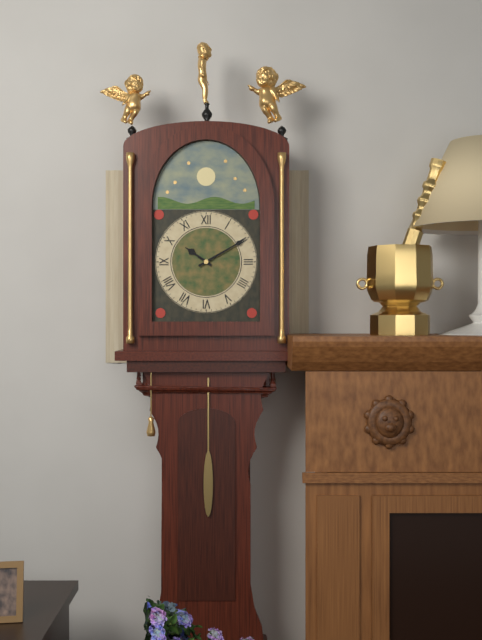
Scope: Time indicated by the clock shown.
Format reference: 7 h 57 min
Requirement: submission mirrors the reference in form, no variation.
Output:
10 h 10 min
